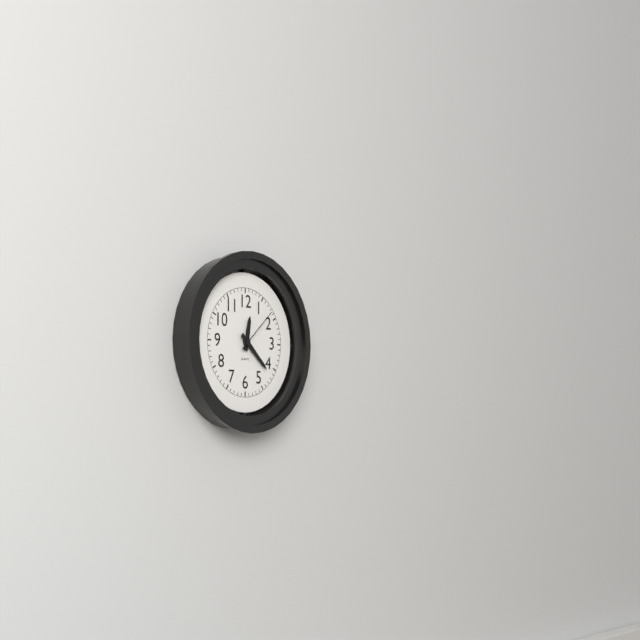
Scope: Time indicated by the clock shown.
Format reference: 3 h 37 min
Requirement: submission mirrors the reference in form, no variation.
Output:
12 h 22 min
